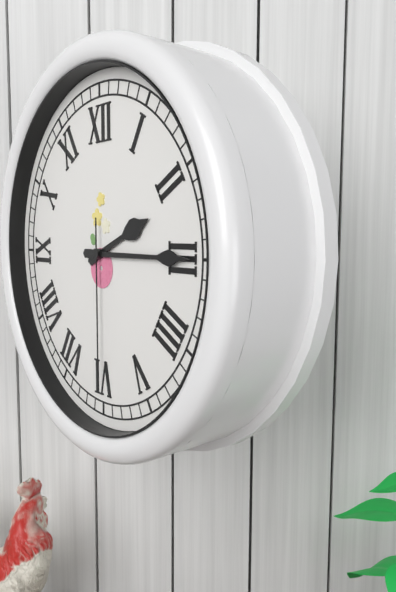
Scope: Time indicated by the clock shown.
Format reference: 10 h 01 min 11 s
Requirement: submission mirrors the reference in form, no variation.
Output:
2 h 15 min 30 s
